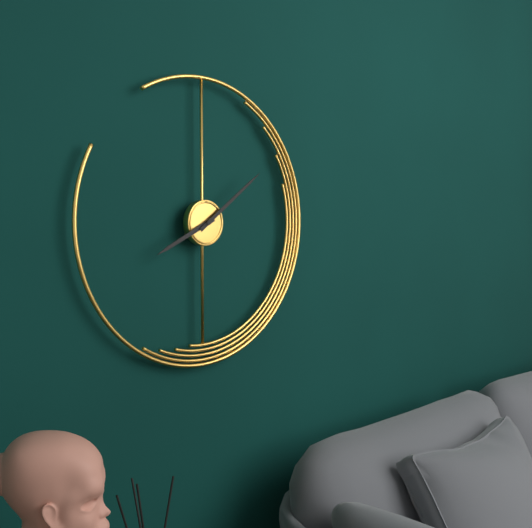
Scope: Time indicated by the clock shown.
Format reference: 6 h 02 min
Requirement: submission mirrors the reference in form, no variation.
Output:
8 h 09 min
